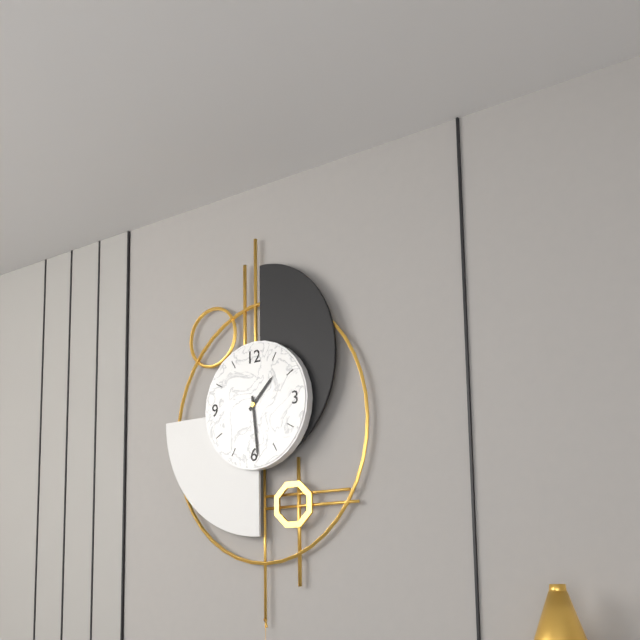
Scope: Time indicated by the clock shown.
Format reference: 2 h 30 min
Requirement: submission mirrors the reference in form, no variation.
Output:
1 h 29 min
